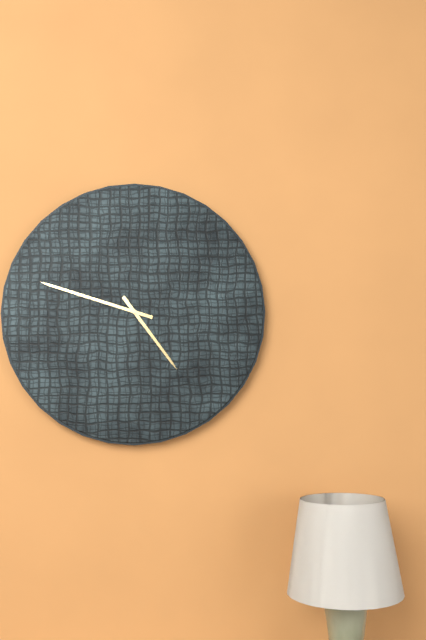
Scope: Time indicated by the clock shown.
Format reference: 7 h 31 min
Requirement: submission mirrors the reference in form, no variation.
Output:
4 h 48 min
